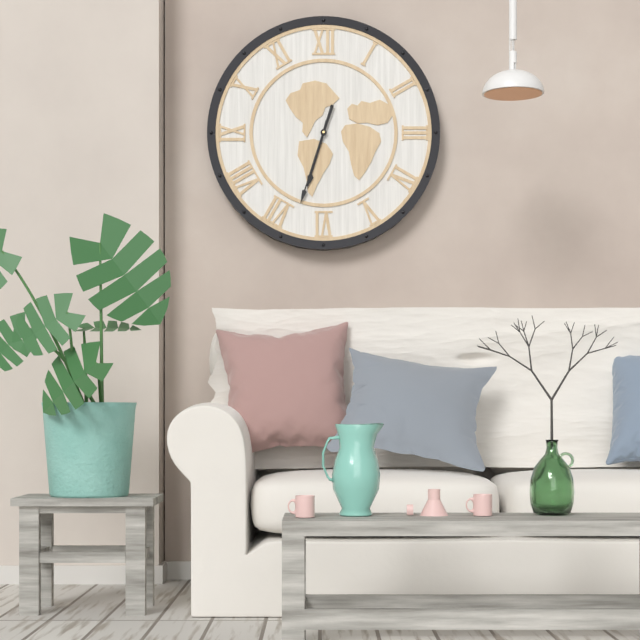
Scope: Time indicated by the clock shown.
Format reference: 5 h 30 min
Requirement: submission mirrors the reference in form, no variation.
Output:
6 h 33 min
